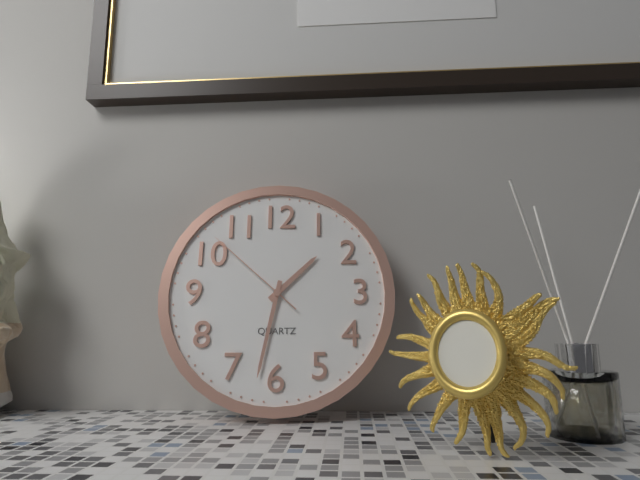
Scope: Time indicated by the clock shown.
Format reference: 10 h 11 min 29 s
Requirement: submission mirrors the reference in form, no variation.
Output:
1 h 32 min 52 s
